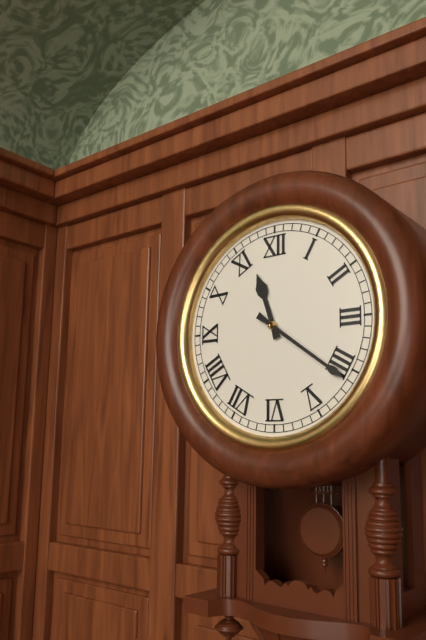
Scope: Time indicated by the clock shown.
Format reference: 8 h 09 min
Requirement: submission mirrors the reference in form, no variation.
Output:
11 h 21 min
